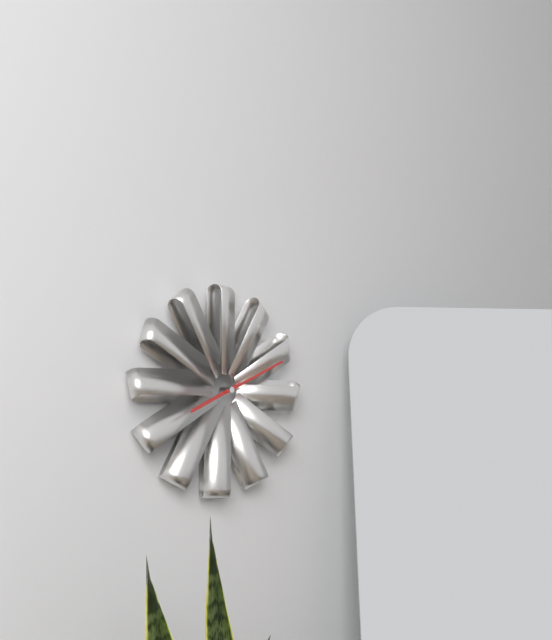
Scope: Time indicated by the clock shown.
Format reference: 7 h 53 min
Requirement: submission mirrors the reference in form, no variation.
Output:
8 h 11 min
